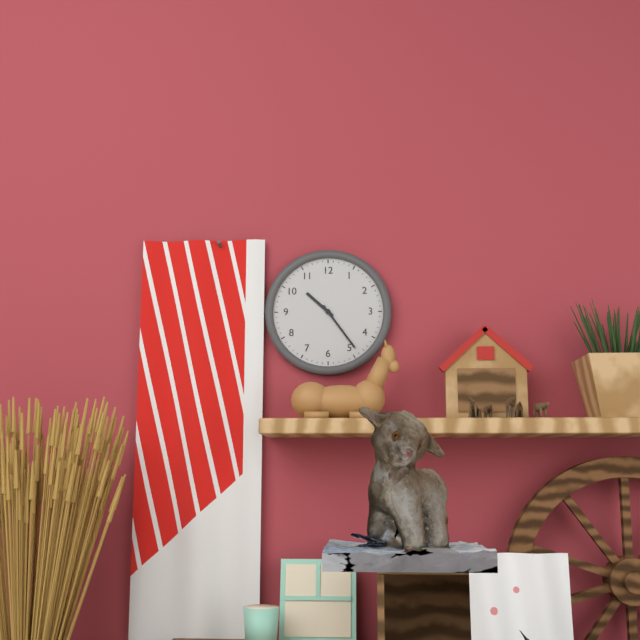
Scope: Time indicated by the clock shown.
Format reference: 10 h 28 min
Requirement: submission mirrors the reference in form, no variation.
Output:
10 h 24 min
